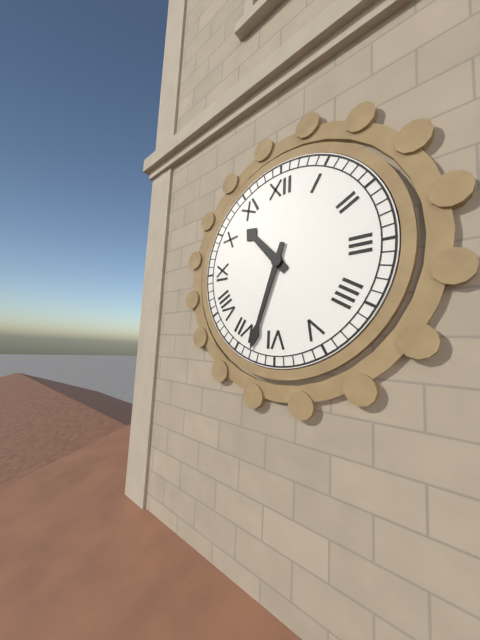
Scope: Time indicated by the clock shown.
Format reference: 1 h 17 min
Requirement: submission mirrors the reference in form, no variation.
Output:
10 h 33 min
